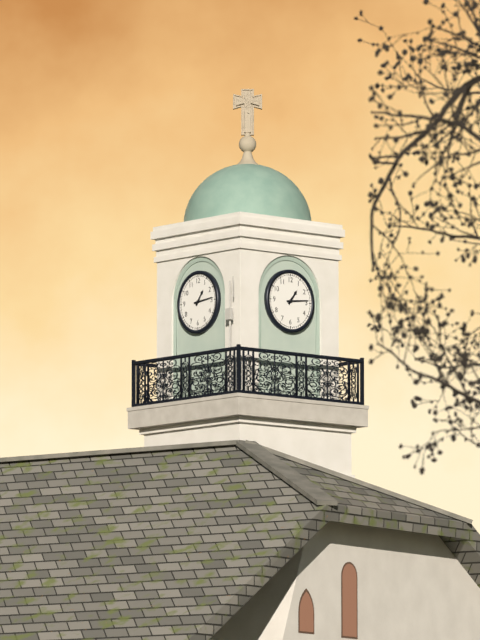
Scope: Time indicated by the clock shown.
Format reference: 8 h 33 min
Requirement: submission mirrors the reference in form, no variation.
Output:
1 h 14 min
